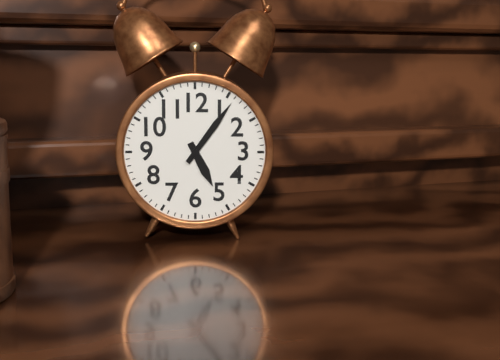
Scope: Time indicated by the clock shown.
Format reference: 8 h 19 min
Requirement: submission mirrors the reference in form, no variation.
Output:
5 h 06 min
